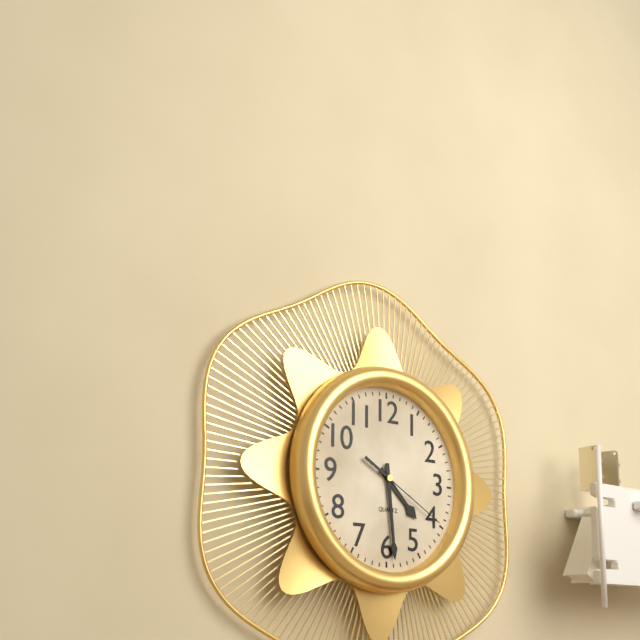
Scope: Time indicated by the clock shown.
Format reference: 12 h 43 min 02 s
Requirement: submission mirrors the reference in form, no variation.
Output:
4 h 29 min 20 s
